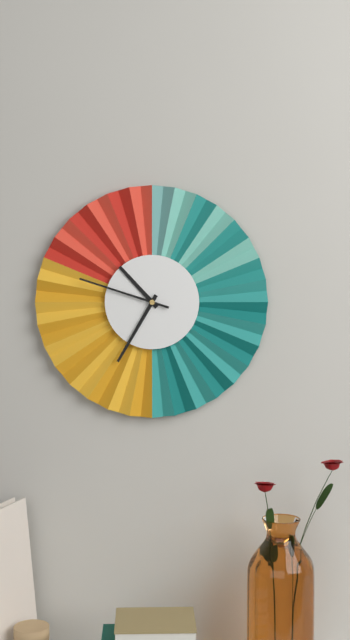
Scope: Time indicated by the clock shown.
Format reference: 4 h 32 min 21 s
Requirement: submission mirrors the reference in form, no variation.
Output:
10 h 35 min 48 s
